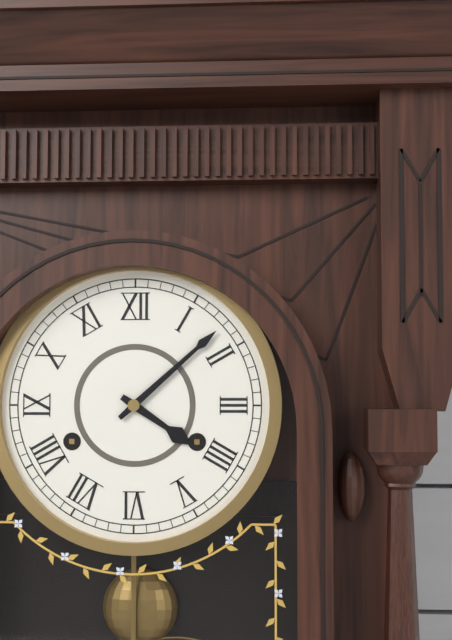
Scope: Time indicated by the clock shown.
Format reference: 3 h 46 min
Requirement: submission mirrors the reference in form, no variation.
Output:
4 h 08 min
